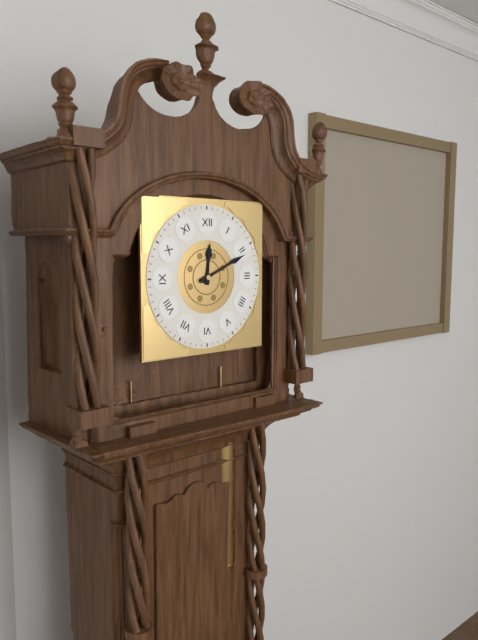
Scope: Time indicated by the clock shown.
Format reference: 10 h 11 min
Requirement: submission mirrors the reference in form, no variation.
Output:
12 h 11 min
